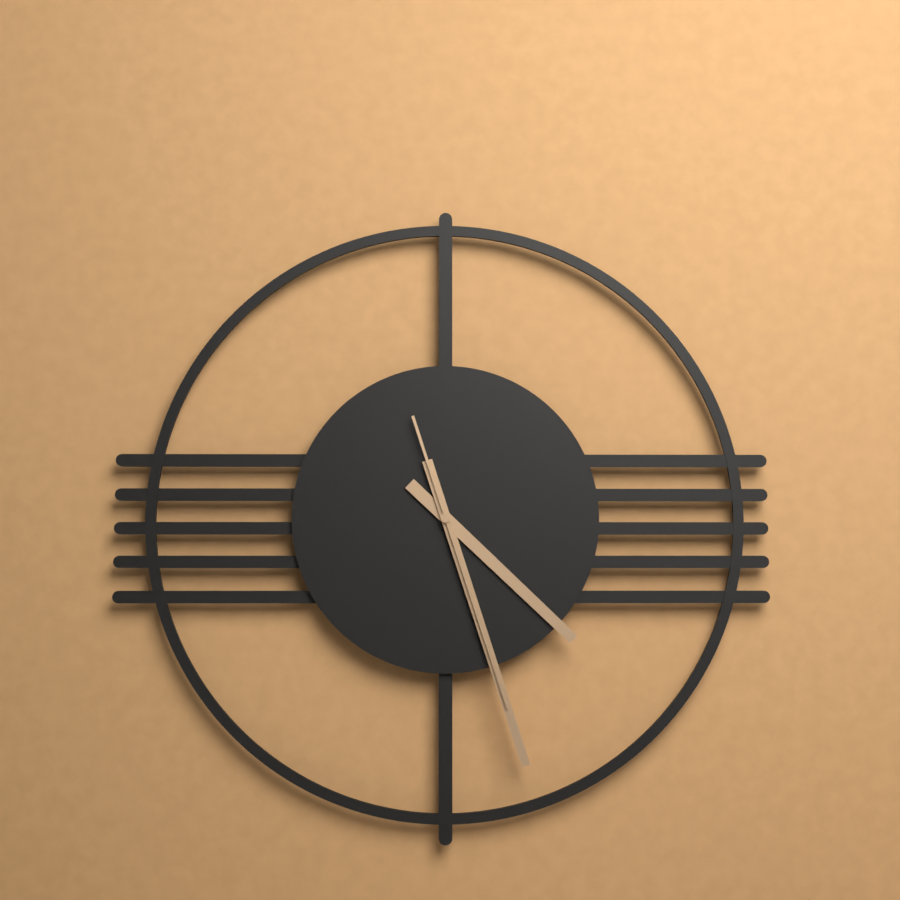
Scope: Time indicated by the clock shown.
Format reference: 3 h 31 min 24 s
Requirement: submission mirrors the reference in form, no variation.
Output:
4 h 27 min 27 s
